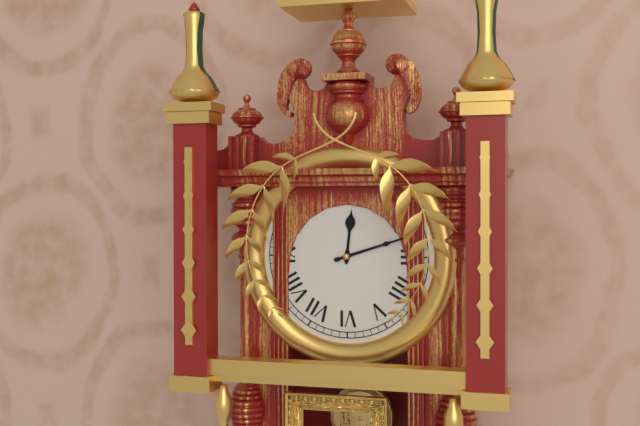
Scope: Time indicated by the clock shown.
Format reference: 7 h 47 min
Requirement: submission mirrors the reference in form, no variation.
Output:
12 h 12 min
